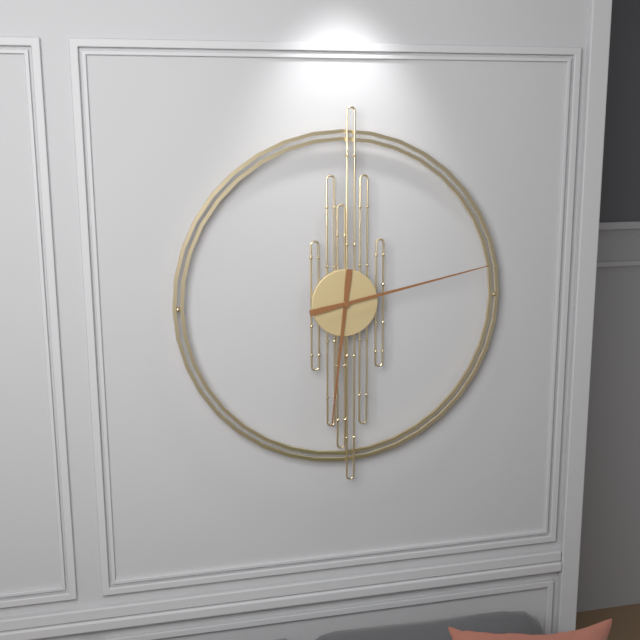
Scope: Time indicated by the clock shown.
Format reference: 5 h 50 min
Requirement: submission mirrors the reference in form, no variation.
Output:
6 h 13 min
